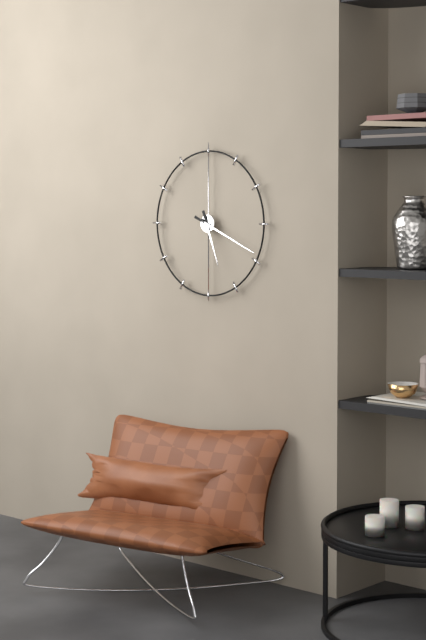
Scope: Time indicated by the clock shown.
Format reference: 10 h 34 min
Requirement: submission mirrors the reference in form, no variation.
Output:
5 h 19 min
